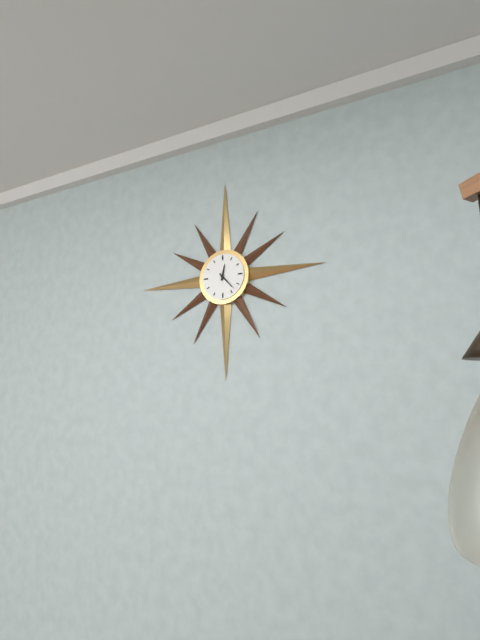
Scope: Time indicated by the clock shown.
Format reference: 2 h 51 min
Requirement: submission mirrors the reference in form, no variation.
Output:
12 h 23 min
